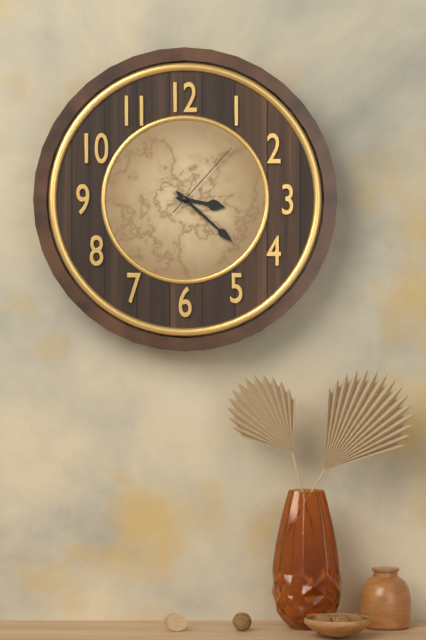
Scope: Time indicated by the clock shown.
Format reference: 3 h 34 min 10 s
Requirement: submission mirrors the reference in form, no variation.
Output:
3 h 22 min 07 s
